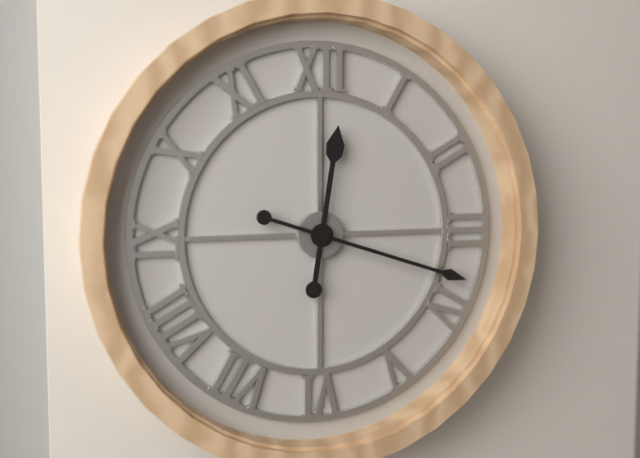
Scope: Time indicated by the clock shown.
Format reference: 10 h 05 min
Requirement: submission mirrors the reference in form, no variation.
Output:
12 h 18 min
